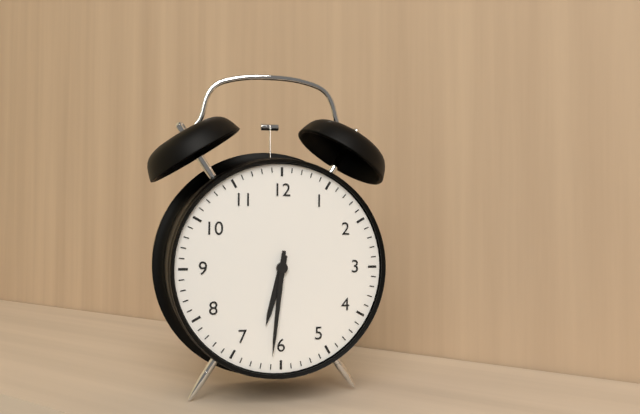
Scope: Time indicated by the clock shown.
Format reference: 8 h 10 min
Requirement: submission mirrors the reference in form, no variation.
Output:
6 h 31 min
